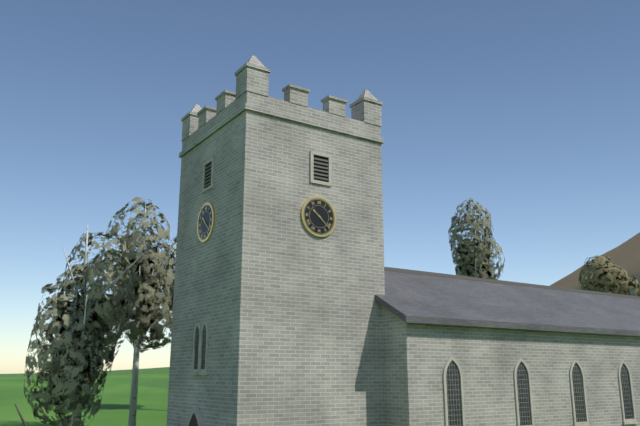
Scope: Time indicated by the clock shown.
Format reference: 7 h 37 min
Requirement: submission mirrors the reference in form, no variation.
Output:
10 h 22 min
